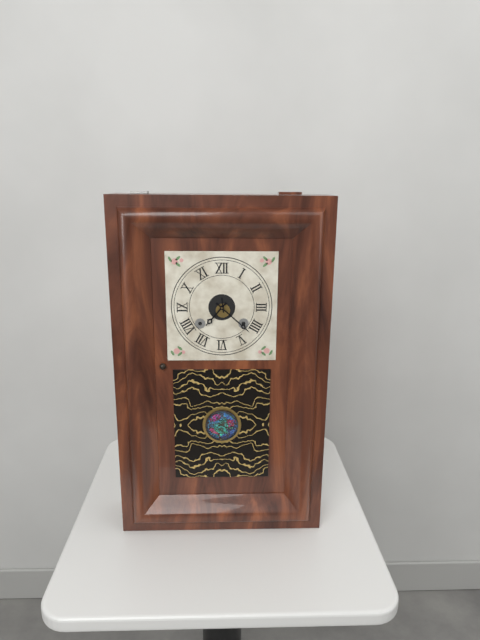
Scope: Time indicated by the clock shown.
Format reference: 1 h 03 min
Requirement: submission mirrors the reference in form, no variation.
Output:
7 h 22 min
